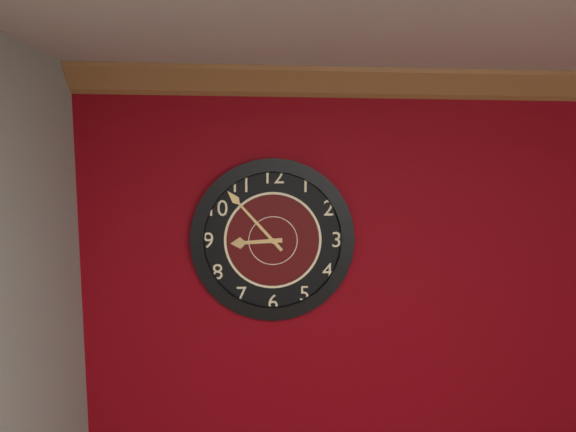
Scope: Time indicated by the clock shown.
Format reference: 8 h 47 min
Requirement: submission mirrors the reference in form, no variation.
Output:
8 h 53 min
